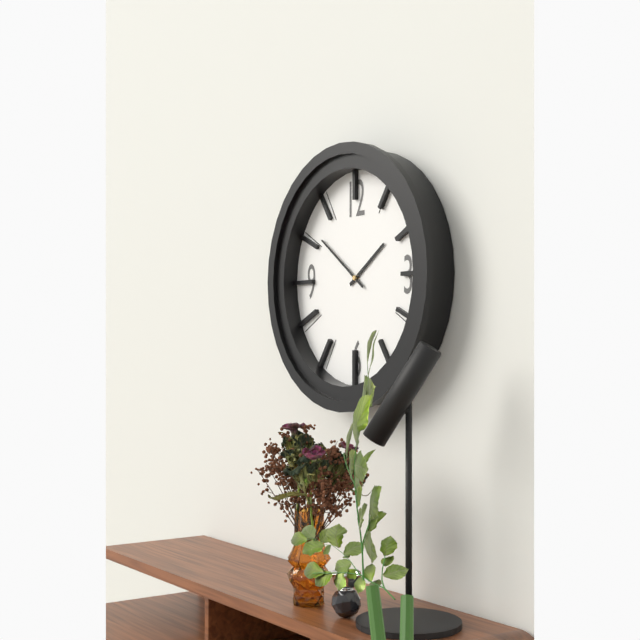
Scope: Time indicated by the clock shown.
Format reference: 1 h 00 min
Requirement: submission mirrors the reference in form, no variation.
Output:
1 h 51 min
